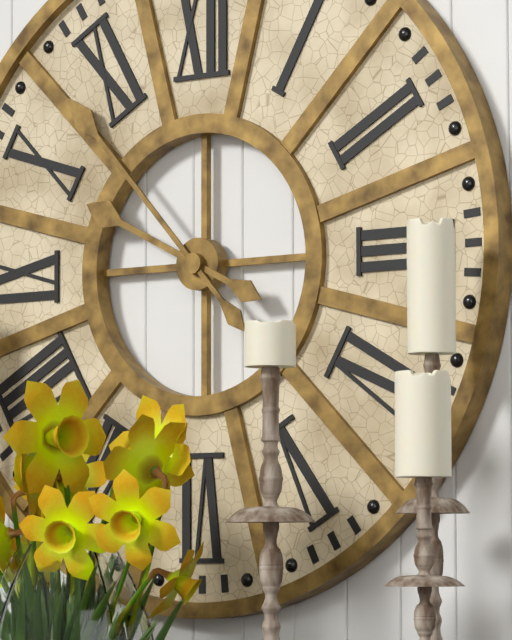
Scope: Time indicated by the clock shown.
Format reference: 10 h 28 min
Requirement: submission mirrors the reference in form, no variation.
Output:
9 h 53 min
